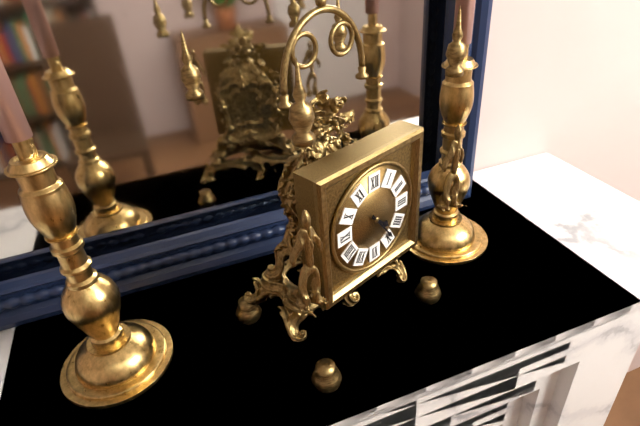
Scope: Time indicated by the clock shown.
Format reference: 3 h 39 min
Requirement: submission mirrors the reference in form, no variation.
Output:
4 h 24 min
